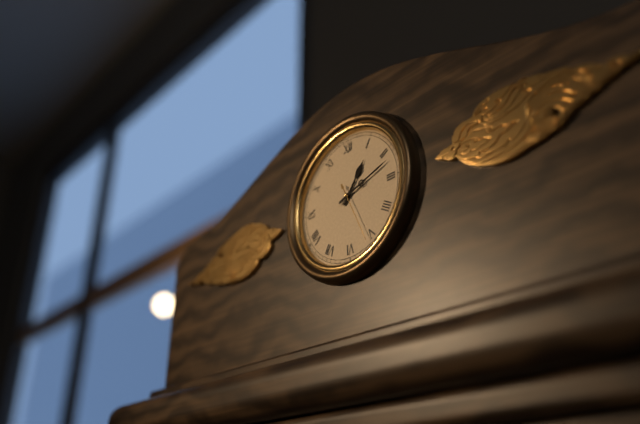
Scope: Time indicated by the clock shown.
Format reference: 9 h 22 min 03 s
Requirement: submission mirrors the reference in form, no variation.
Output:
1 h 12 min 26 s
